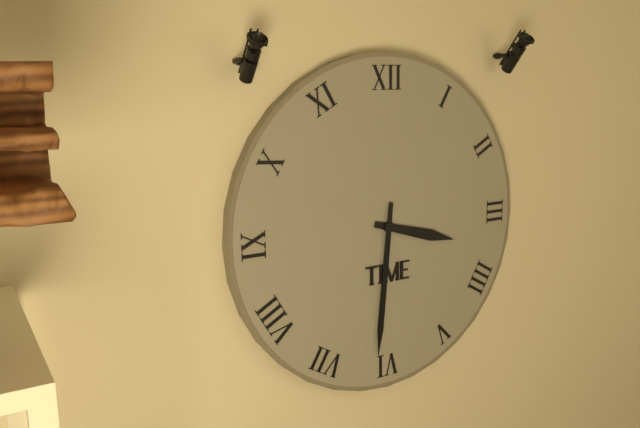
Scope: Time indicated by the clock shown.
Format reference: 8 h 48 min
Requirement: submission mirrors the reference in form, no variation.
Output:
3 h 31 min
